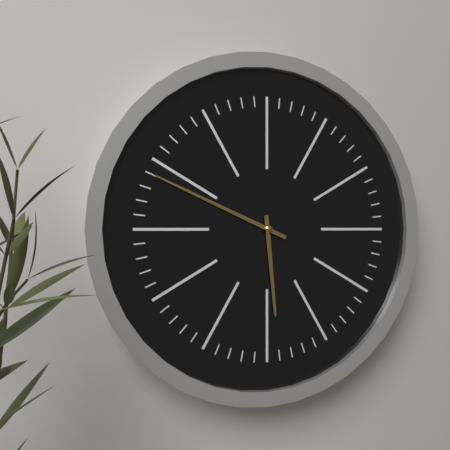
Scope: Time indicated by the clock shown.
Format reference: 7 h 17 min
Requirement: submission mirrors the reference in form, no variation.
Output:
5 h 49 min
